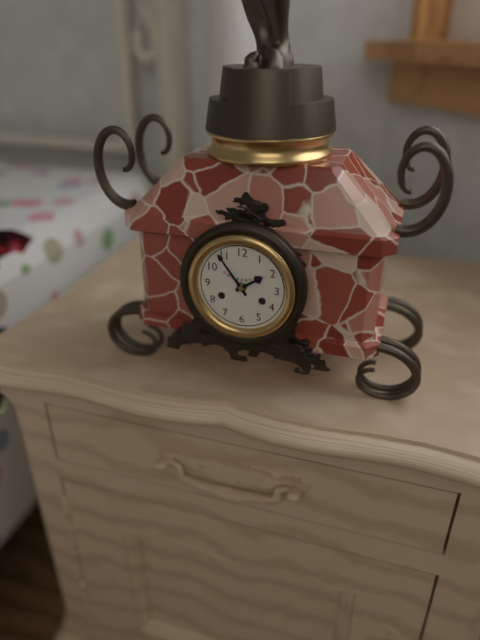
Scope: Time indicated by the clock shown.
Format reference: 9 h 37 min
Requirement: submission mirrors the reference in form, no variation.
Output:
1 h 54 min
